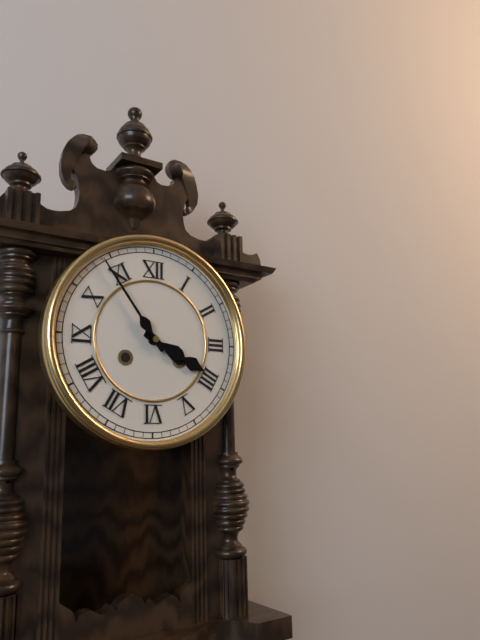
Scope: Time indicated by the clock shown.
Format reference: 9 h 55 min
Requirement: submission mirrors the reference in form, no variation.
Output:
3 h 54 min
